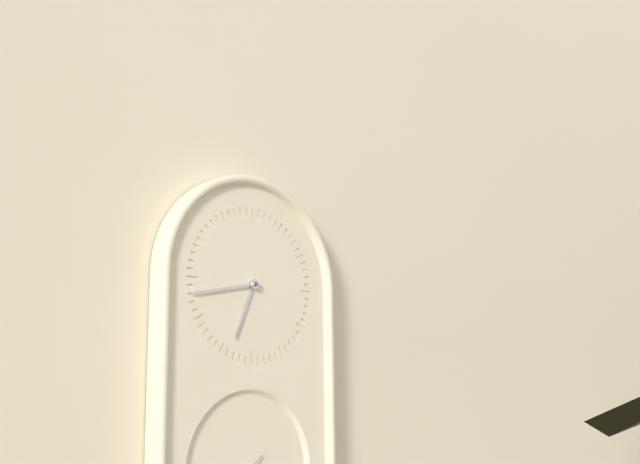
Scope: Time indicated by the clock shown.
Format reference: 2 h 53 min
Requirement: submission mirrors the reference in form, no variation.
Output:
6 h 43 min
